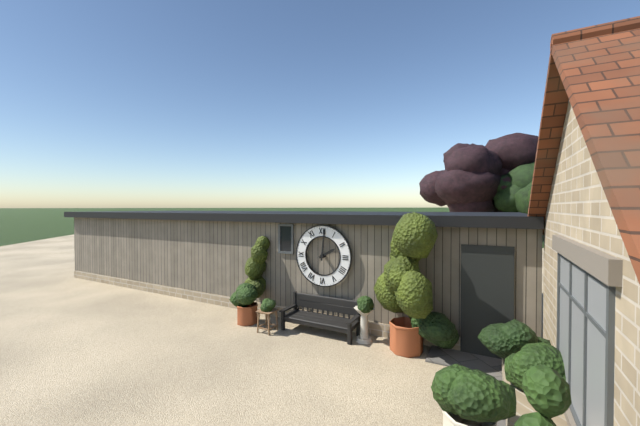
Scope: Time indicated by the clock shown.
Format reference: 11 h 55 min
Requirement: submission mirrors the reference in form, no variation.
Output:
2 h 01 min
